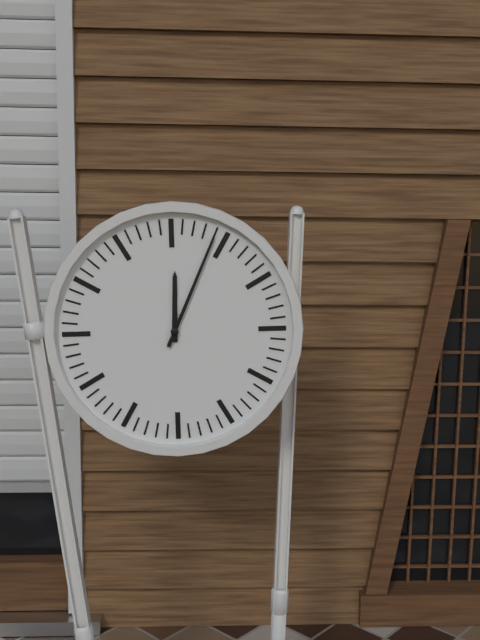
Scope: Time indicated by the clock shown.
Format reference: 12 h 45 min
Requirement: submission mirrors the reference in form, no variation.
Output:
12 h 04 min
